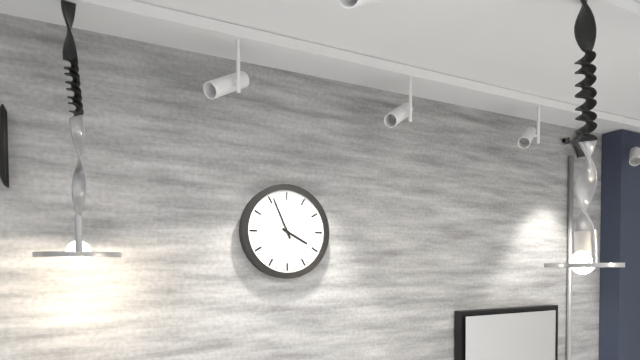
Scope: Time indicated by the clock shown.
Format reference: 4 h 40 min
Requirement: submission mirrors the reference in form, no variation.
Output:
3 h 56 min
